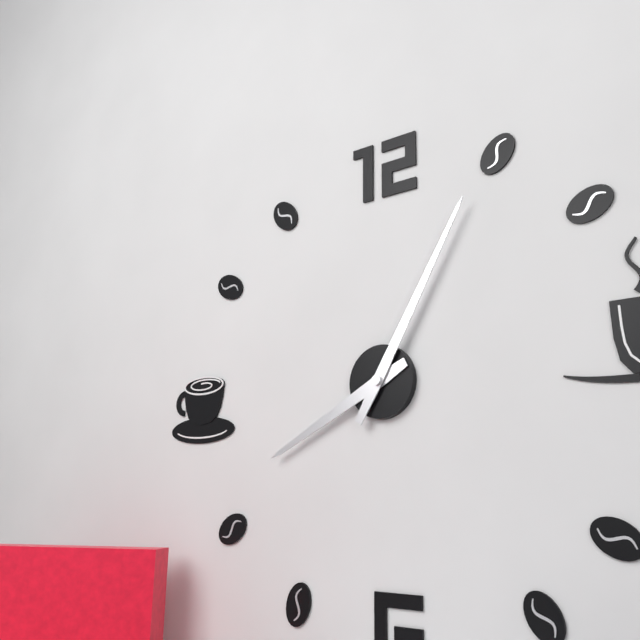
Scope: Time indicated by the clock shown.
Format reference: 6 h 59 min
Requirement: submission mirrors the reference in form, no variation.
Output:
8 h 05 min
